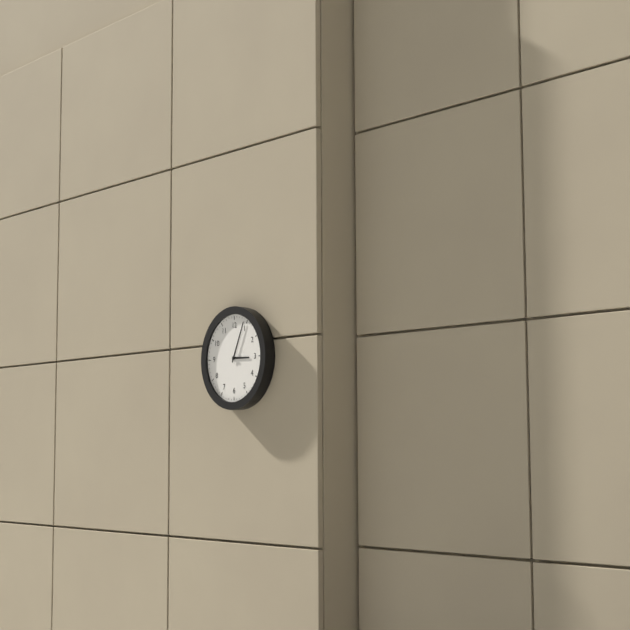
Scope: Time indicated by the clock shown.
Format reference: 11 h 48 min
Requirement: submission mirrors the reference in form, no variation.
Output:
3 h 04 min
